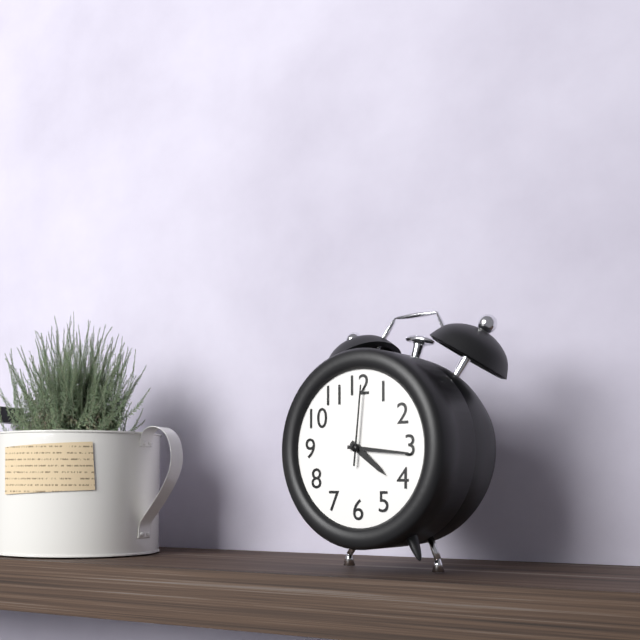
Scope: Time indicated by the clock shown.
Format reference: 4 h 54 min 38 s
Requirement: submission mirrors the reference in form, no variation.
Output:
4 h 16 min 01 s
